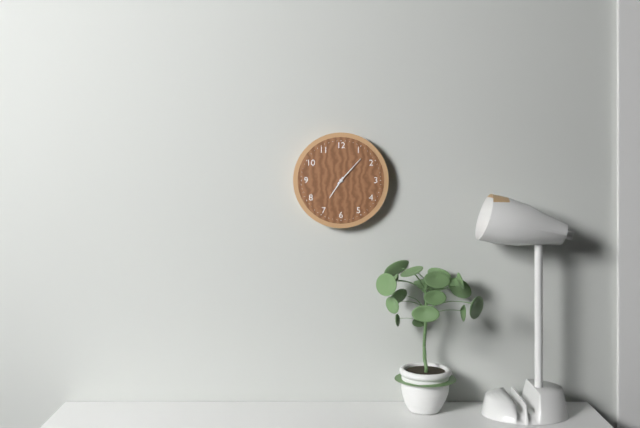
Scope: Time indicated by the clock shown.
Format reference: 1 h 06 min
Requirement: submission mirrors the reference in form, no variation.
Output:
7 h 07 min
